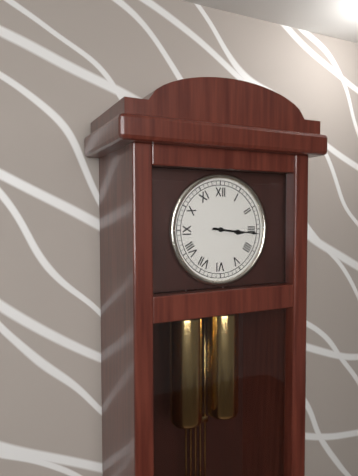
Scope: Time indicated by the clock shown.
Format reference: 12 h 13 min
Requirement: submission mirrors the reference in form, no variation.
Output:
3 h 16 min
